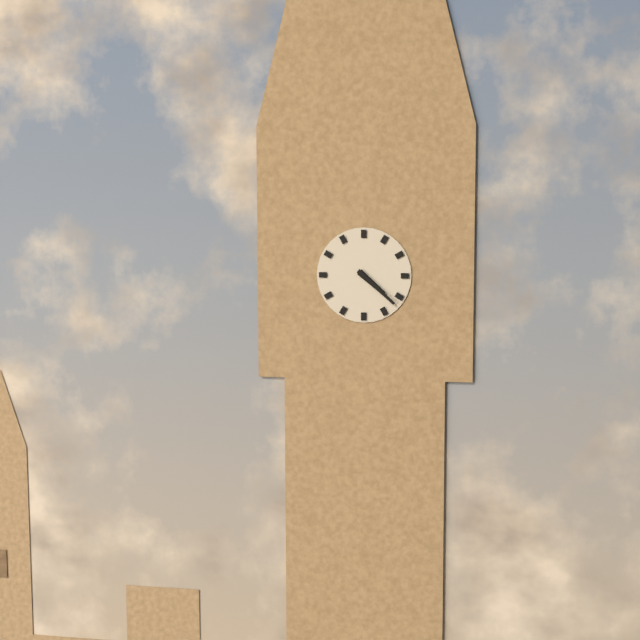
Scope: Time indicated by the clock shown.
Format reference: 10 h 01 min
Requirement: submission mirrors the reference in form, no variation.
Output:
4 h 22 min
